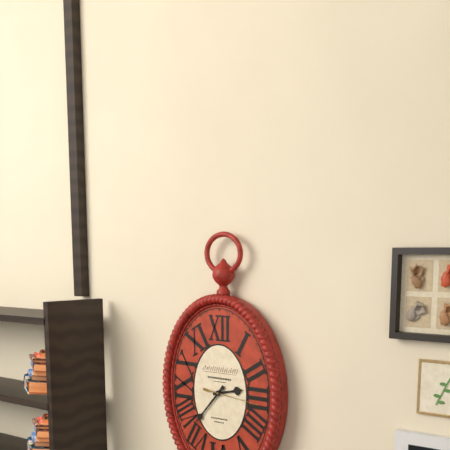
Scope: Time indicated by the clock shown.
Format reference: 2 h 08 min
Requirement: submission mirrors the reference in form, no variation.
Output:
2 h 37 min
